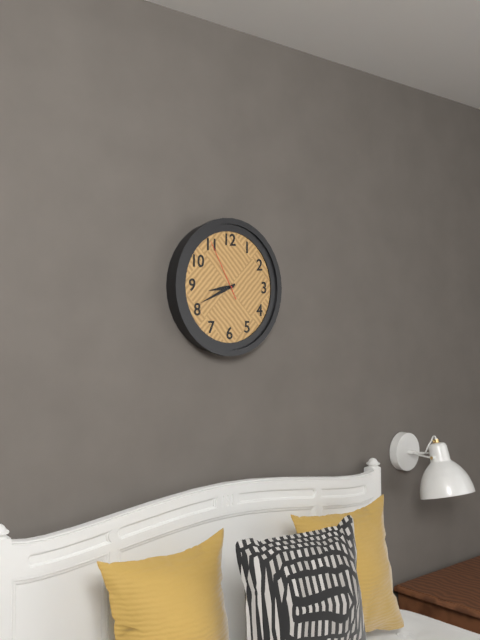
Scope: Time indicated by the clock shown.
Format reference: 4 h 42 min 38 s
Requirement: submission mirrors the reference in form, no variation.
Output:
8 h 41 min 55 s
